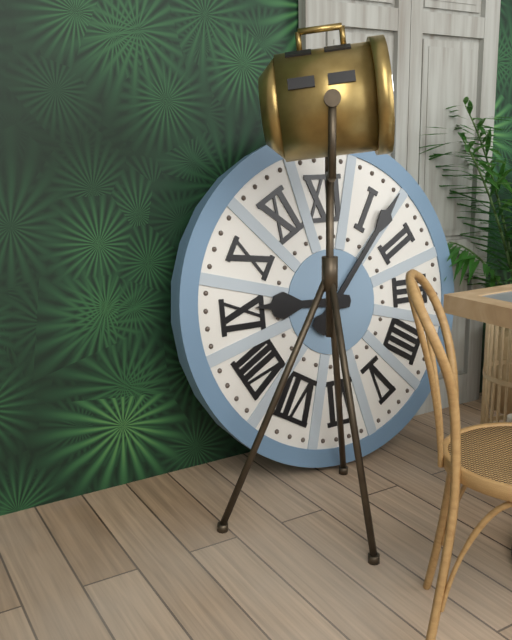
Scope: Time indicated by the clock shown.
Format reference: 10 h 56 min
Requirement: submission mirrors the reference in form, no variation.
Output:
9 h 07 min
